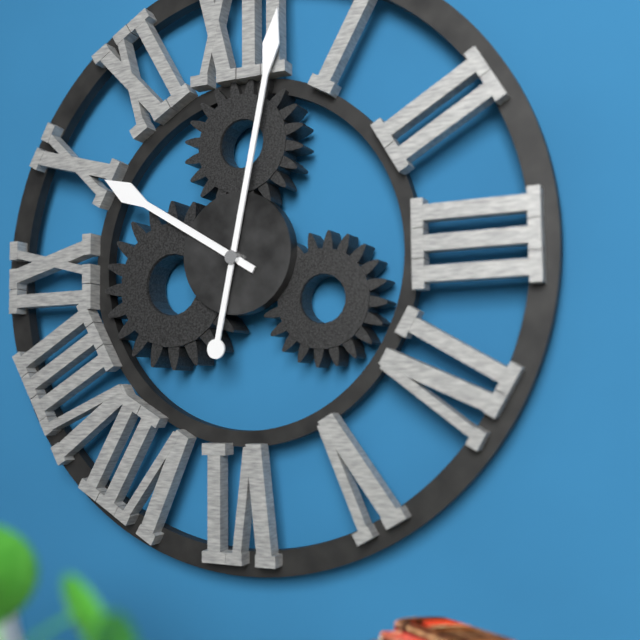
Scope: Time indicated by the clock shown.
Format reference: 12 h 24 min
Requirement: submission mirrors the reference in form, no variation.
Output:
10 h 02 min
